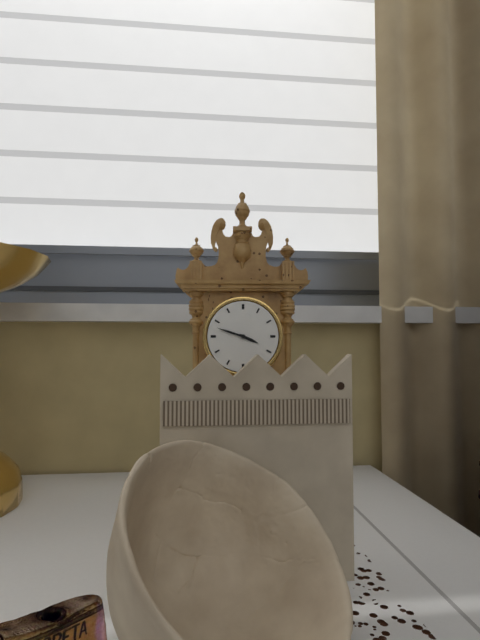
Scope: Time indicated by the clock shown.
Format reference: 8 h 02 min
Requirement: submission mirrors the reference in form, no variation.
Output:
3 h 48 min
